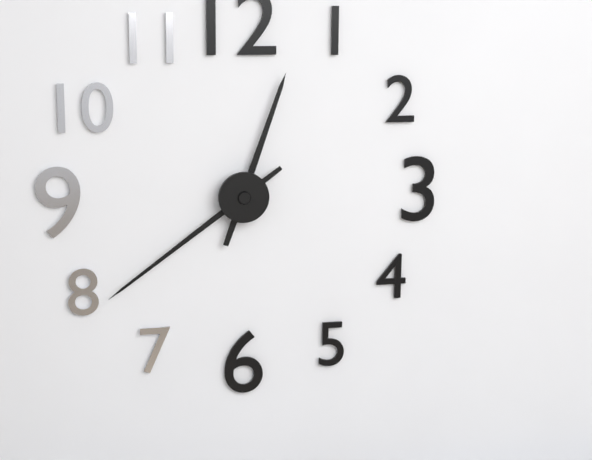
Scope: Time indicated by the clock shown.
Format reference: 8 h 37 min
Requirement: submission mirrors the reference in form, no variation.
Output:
12 h 39 min
